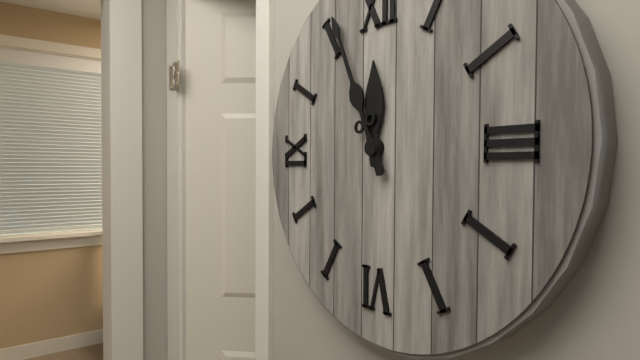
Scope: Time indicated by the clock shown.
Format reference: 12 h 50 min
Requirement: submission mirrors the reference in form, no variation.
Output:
11 h 56 min
